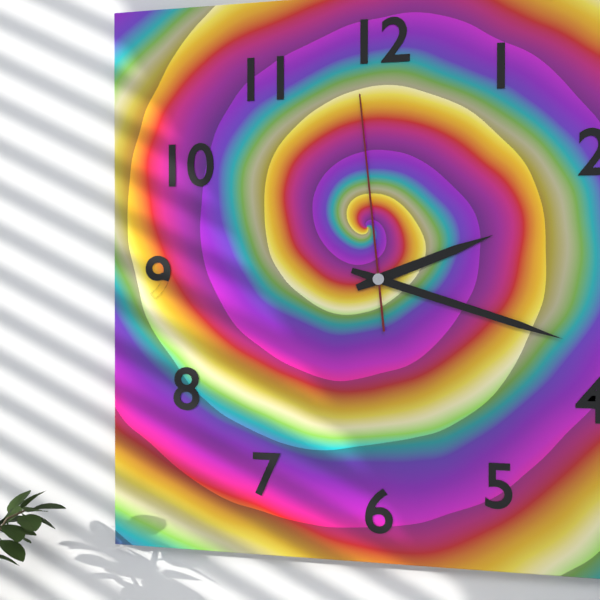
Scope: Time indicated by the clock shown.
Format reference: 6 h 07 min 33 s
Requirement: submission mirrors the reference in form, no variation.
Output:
2 h 18 min 59 s
